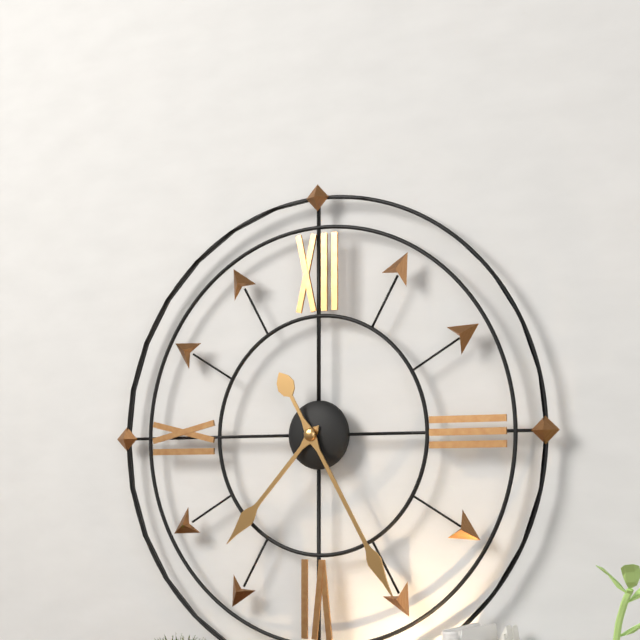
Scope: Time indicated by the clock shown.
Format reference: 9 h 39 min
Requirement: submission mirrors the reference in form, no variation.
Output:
7 h 25 min
